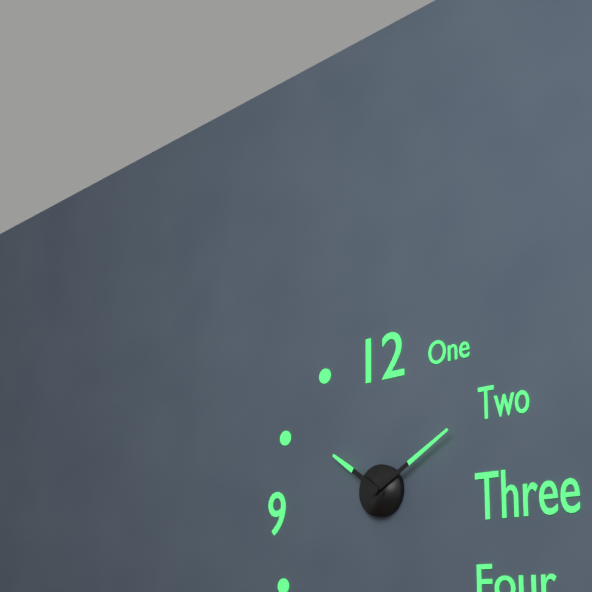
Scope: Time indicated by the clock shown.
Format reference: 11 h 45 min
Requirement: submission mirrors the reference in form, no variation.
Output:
10 h 10 min
